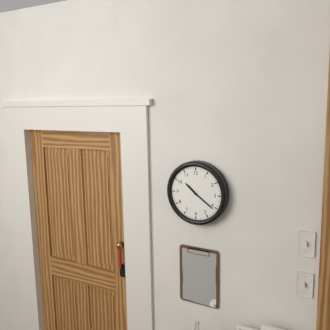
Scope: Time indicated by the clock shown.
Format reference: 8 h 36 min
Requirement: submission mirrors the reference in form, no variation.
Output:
10 h 21 min
